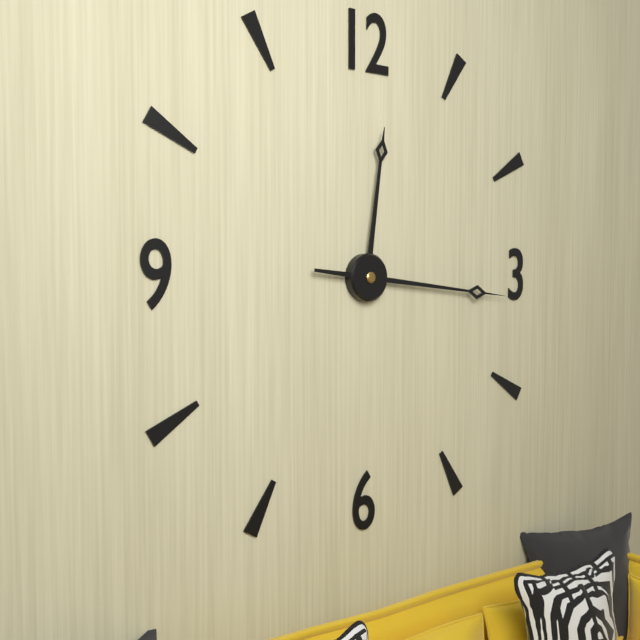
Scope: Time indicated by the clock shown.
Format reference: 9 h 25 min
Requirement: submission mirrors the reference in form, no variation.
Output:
12 h 16 min
